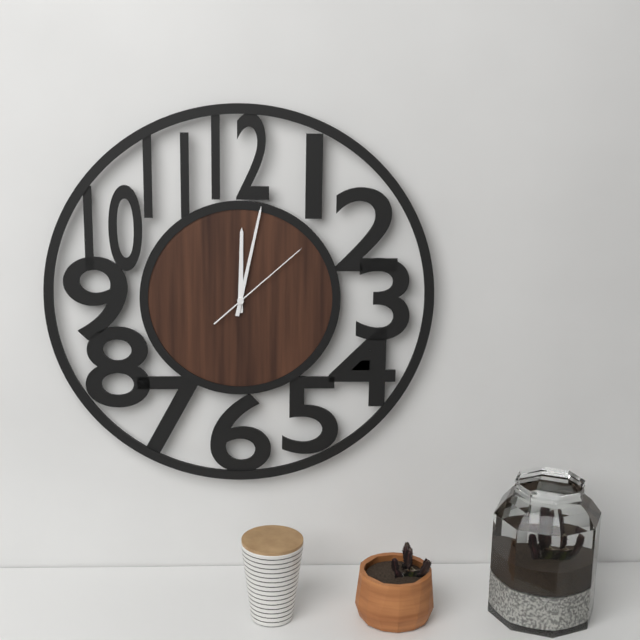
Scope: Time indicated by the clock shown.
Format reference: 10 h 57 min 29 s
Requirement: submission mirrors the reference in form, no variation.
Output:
12 h 02 min 08 s
